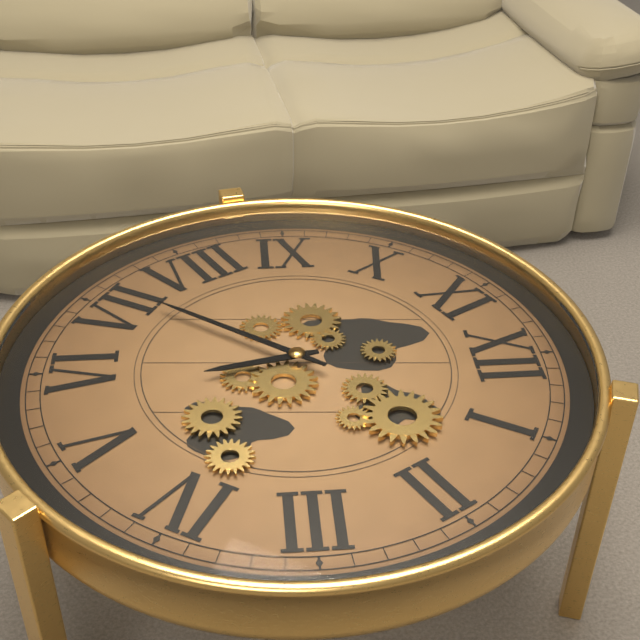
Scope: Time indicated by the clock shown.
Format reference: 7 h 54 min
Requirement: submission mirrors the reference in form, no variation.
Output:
5 h 36 min
